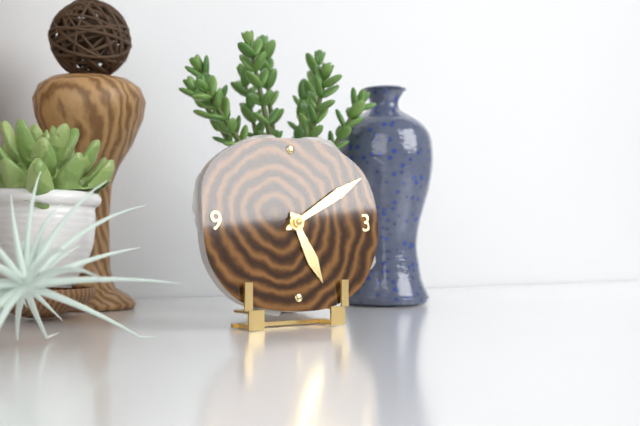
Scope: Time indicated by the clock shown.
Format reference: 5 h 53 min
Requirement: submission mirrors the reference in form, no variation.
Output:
5 h 10 min
